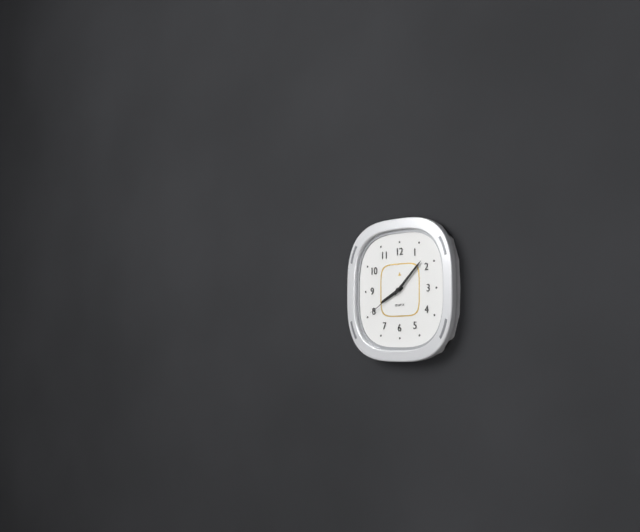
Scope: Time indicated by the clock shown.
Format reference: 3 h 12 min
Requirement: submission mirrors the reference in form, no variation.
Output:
8 h 08 min
